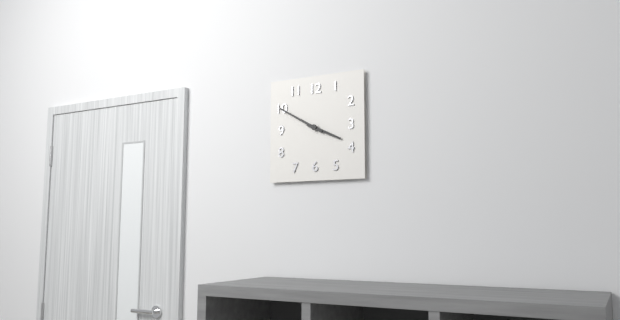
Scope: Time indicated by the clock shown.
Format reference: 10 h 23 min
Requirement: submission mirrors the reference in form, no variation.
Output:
3 h 50 min
